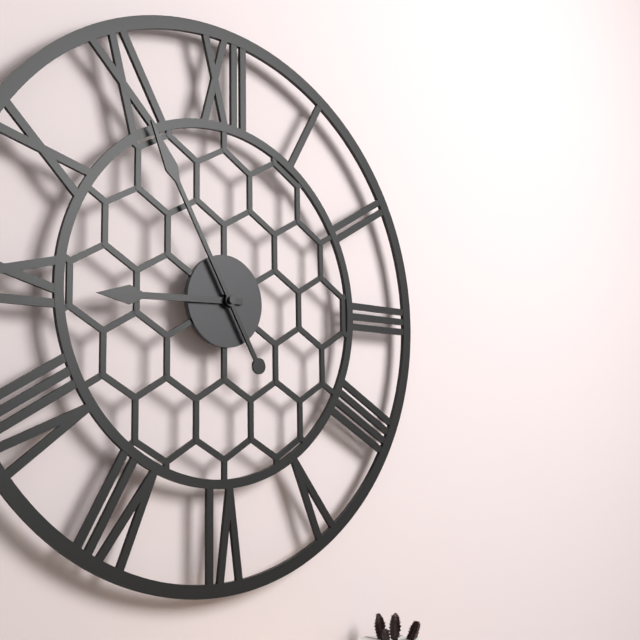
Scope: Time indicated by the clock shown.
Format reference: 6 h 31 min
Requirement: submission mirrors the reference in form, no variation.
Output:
8 h 55 min
